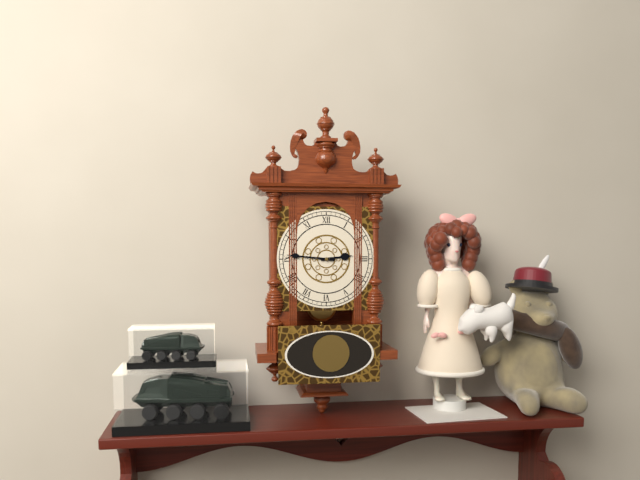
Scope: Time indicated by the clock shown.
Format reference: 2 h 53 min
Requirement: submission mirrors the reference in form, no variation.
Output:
2 h 46 min
